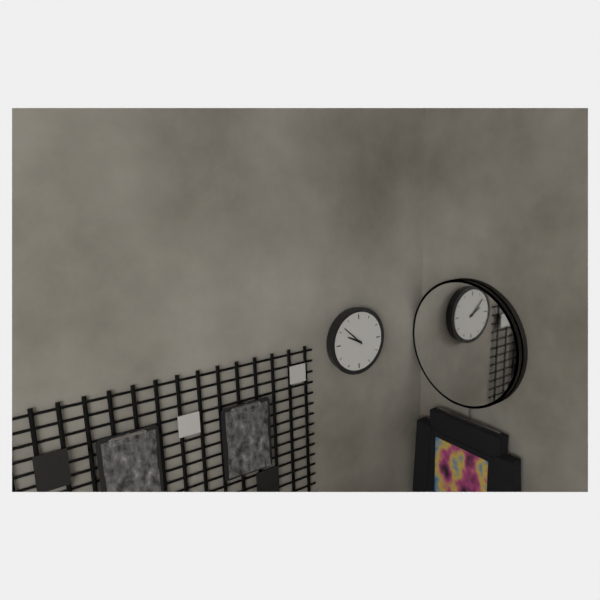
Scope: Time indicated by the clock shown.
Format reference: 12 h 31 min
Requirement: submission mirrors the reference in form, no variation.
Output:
9 h 52 min
